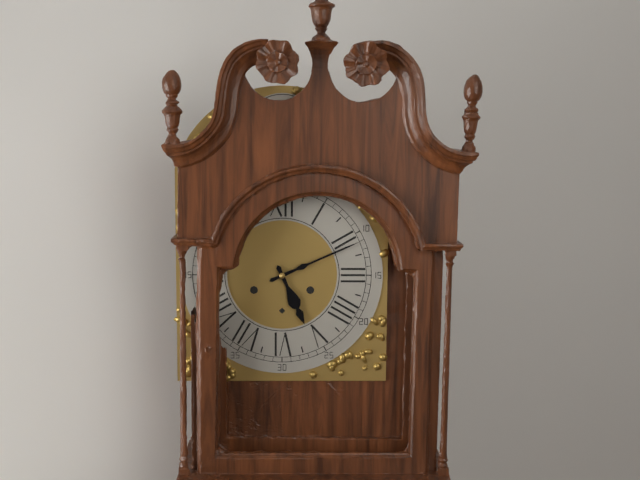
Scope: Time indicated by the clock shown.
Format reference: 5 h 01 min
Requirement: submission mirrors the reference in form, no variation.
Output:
5 h 11 min
